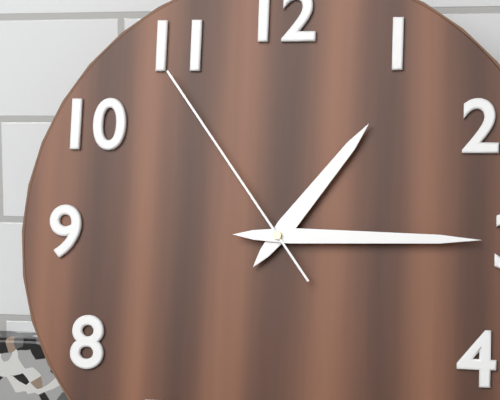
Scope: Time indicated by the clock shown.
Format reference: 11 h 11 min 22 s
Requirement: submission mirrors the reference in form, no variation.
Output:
1 h 15 min 54 s
